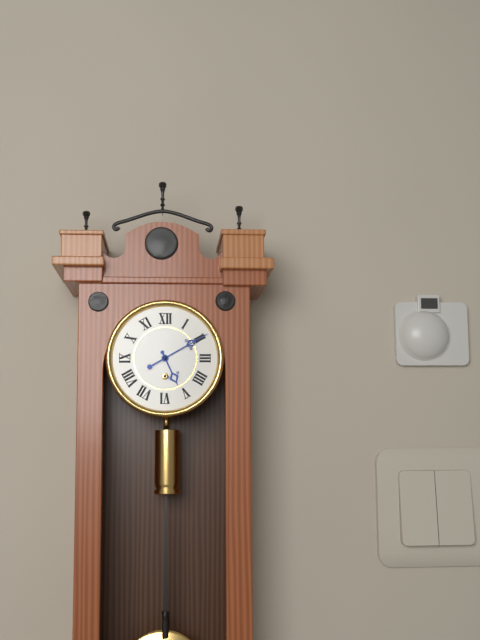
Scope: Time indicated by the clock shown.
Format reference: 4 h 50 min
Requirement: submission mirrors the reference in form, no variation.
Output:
5 h 10 min
